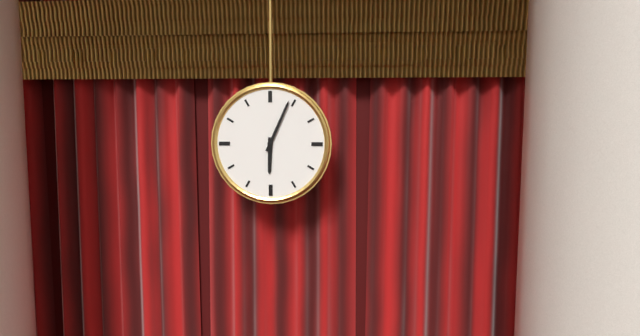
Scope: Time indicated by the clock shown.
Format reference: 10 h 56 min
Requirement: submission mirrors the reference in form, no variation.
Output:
6 h 04 min
